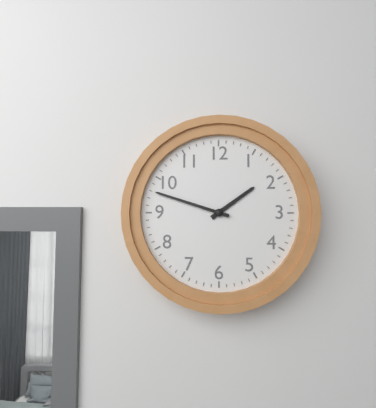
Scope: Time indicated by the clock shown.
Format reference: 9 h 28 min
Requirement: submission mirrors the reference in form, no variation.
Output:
1 h 48 min
